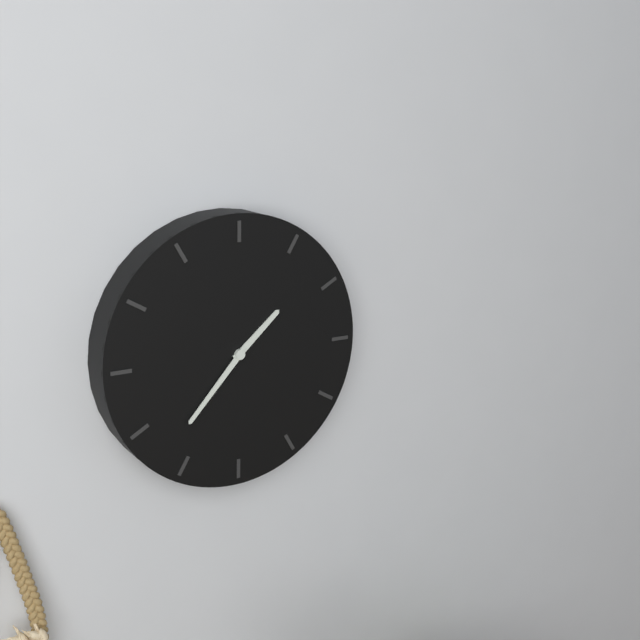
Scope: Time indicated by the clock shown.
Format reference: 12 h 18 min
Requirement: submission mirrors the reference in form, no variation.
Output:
1 h 37 min
